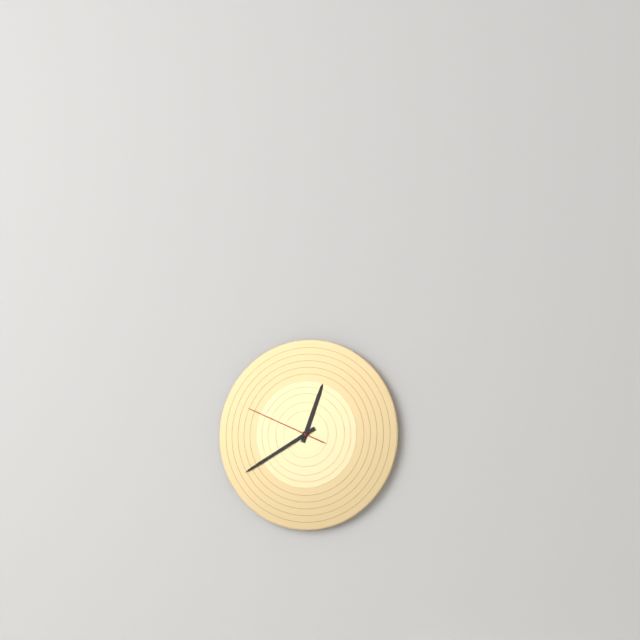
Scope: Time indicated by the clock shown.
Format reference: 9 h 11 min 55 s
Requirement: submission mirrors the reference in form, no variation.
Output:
12 h 40 min 49 s
